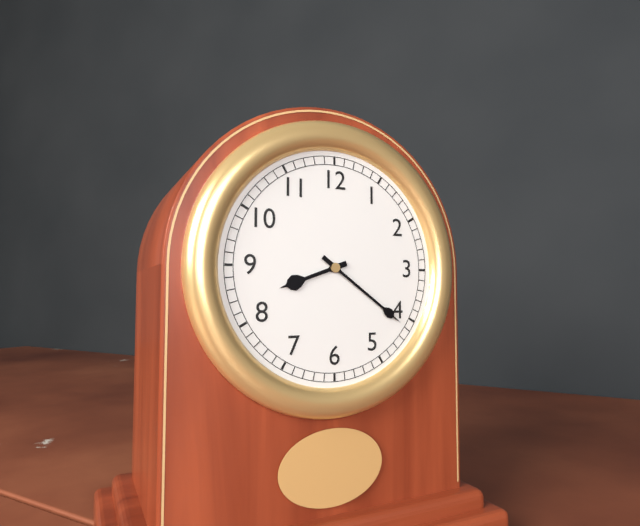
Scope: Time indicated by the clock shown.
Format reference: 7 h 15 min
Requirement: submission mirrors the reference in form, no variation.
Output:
8 h 21 min
